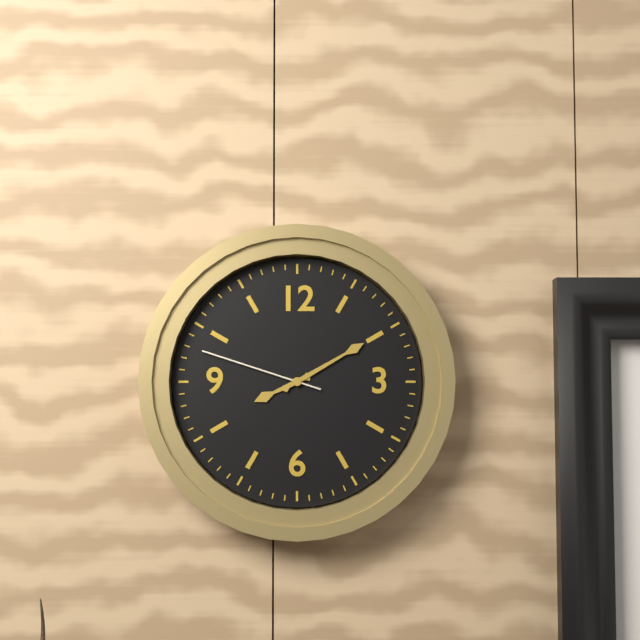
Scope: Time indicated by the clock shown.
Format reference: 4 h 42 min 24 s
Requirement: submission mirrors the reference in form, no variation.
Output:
8 h 10 min 48 s
